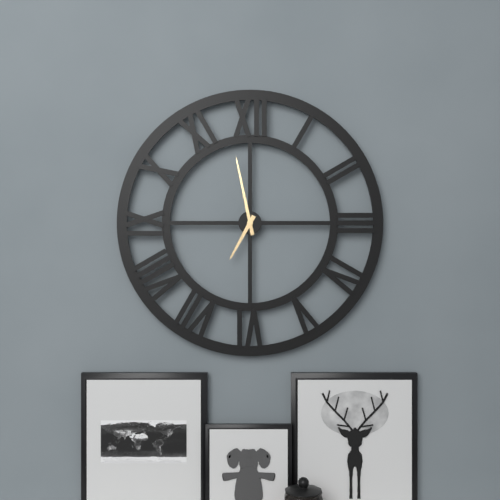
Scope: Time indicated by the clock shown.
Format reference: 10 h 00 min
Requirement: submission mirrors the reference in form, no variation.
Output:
6 h 58 min
